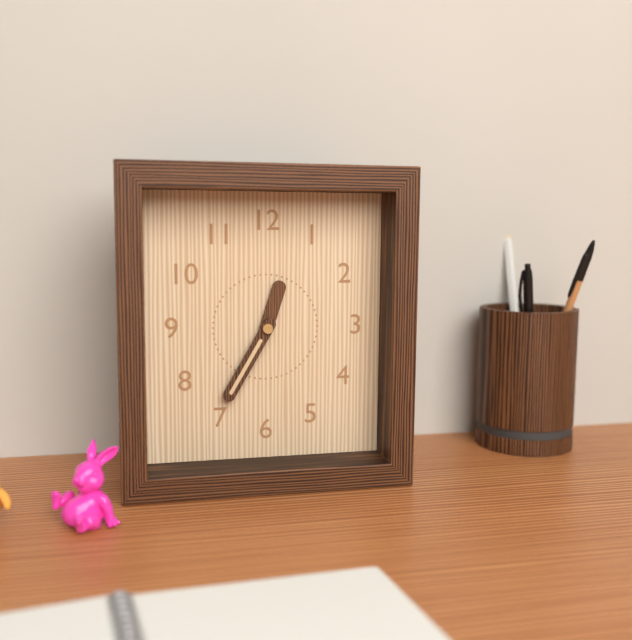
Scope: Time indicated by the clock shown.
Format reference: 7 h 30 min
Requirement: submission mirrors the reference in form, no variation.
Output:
12 h 35 min
